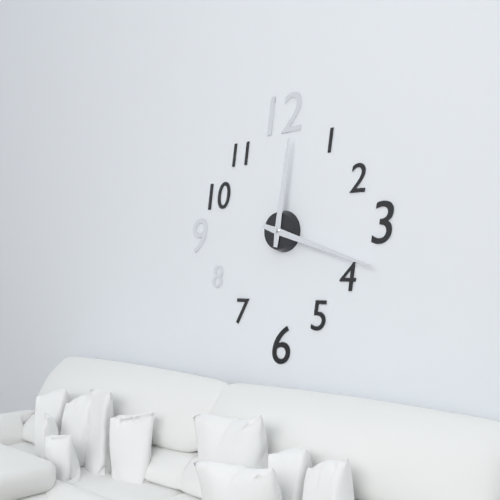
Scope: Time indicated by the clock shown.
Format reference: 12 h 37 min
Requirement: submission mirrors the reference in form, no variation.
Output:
12 h 18 min
